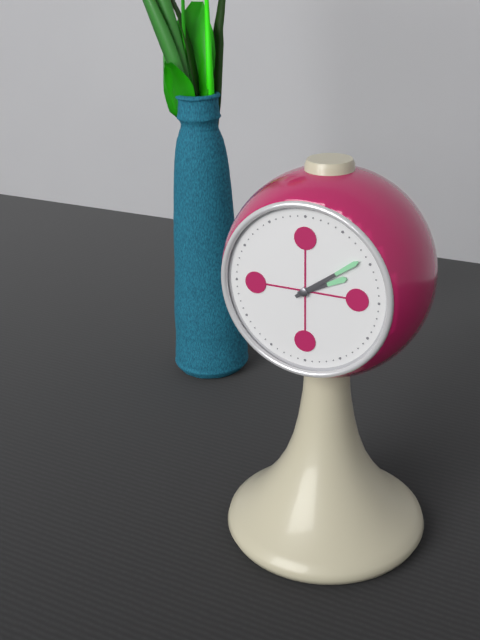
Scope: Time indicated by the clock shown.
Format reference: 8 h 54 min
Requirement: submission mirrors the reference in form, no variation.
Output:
2 h 09 min
